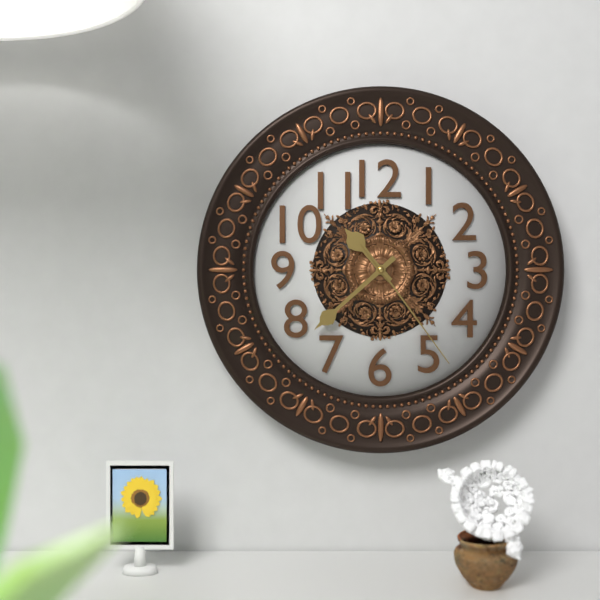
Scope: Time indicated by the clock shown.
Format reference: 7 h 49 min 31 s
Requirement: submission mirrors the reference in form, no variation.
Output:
10 h 38 min 24 s
